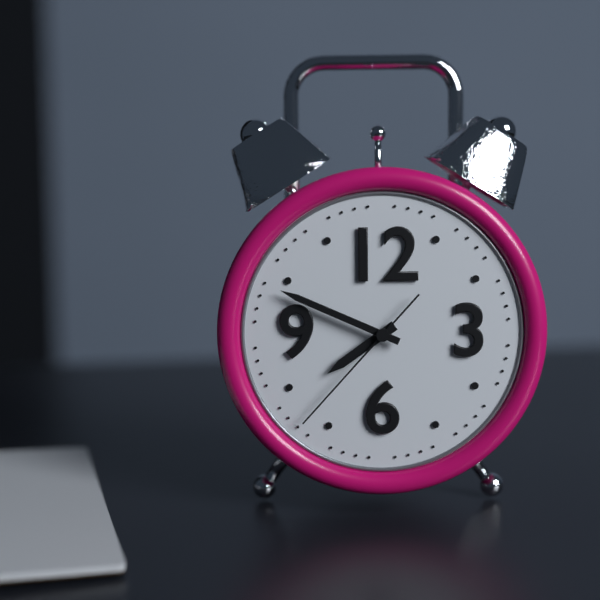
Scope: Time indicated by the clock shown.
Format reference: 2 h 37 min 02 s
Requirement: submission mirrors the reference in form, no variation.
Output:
7 h 49 min 37 s
